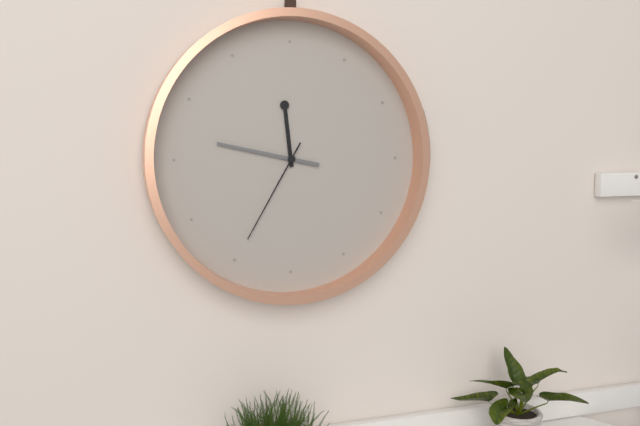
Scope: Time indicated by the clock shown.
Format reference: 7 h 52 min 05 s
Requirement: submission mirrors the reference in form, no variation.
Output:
11 h 47 min 35 s
